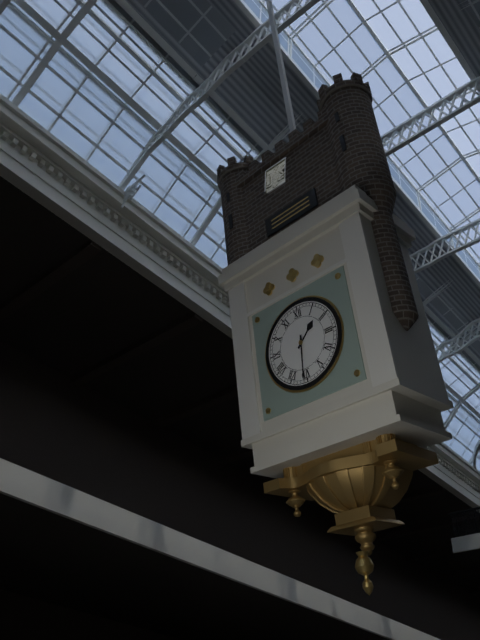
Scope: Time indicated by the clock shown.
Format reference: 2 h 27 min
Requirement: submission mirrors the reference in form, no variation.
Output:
1 h 31 min
